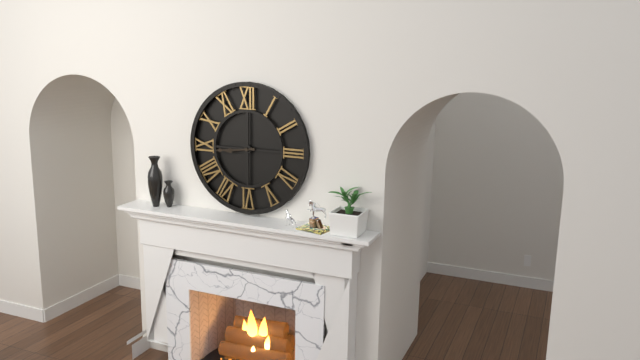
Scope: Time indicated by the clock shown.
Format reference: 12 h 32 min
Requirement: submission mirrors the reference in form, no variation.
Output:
8 h 44 min
